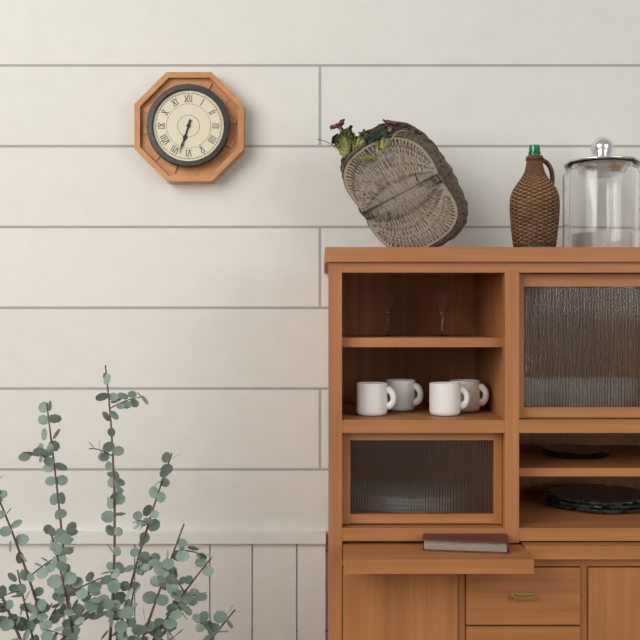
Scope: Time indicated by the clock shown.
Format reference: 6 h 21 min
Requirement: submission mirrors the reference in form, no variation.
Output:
6 h 33 min
